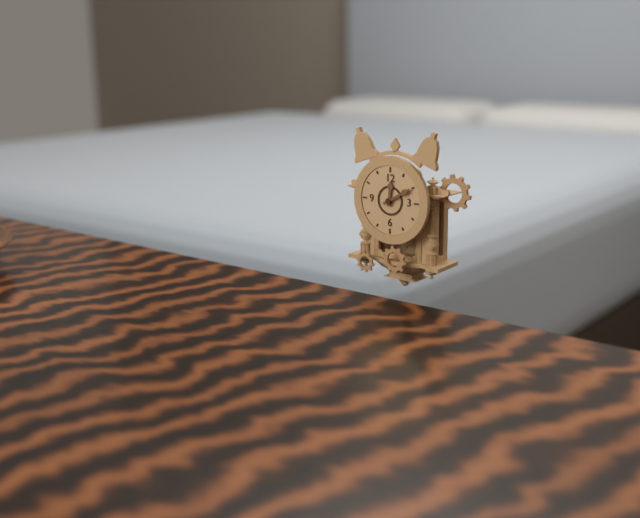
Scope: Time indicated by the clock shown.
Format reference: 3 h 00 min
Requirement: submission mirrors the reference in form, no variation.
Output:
12 h 10 min
